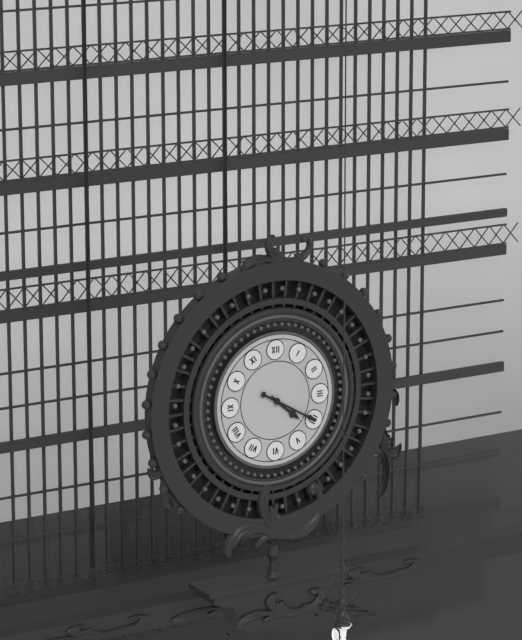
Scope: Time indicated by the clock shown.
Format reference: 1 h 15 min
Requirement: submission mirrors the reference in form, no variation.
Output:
4 h 20 min
